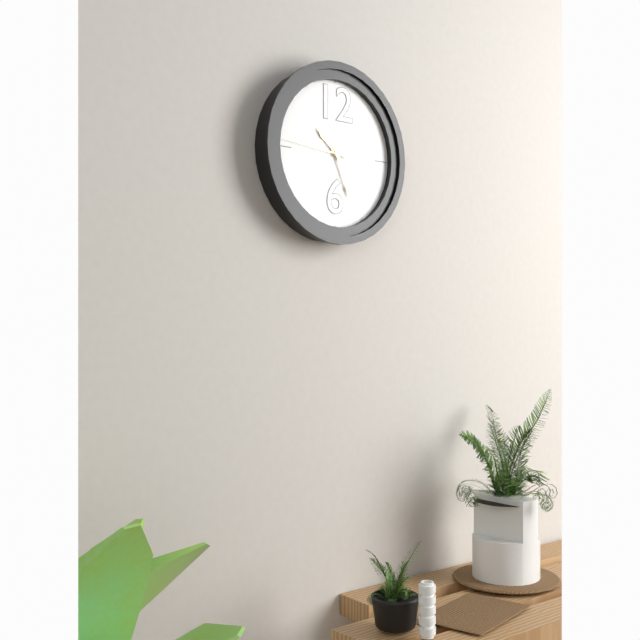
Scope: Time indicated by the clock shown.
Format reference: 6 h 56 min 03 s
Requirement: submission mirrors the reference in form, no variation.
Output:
10 h 26 min 46 s
